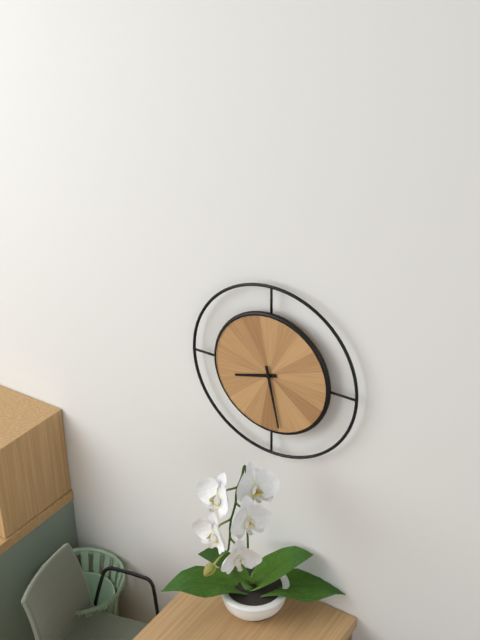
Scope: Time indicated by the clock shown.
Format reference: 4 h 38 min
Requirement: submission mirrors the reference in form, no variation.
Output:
8 h 28 min
